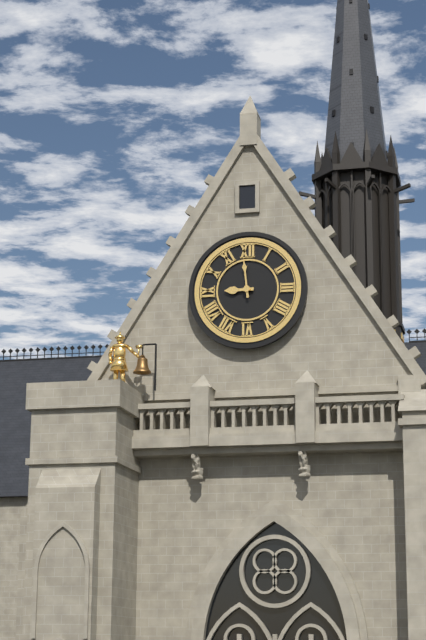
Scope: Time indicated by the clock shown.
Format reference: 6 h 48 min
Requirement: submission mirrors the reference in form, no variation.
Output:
8 h 59 min
